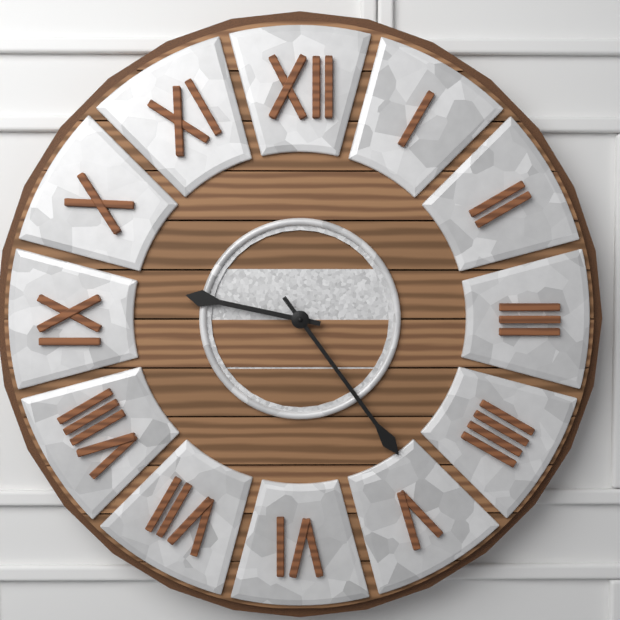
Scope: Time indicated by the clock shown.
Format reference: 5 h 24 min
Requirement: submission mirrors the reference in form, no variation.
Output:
9 h 24 min
